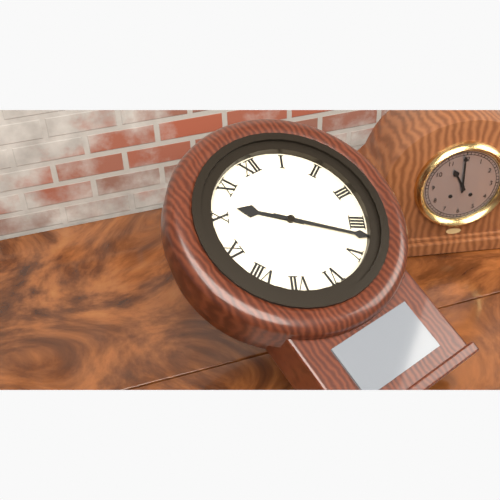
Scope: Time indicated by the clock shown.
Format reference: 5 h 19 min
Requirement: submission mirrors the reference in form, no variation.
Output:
10 h 22 min
